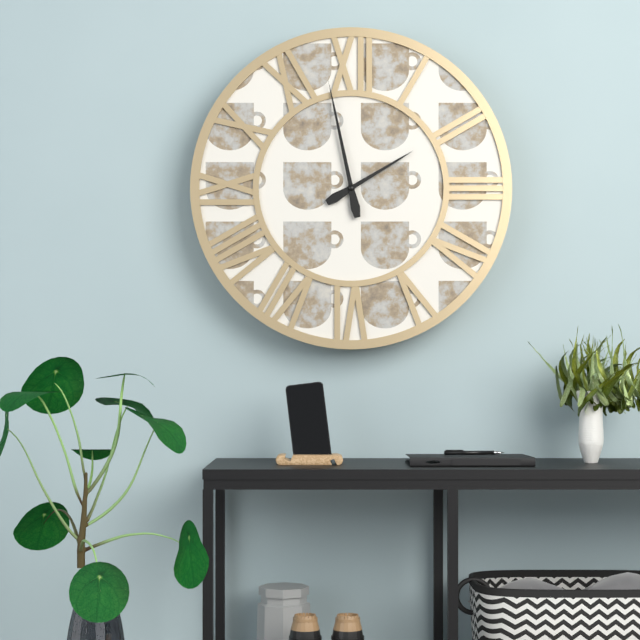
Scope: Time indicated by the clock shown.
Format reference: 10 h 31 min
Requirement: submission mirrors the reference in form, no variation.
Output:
1 h 58 min
